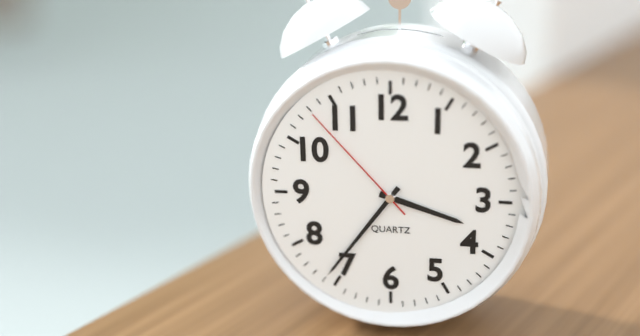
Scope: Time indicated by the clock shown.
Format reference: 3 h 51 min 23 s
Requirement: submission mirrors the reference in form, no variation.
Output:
3 h 36 min 53 s
